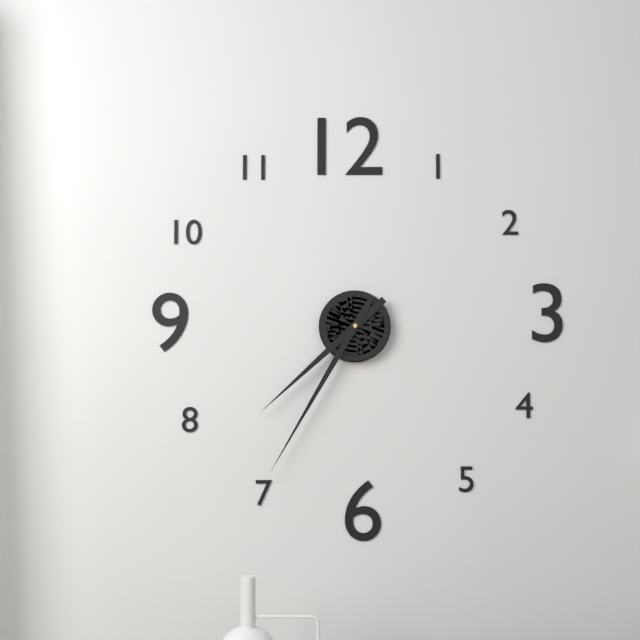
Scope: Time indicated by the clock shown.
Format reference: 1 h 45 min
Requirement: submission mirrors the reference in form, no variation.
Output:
7 h 35 min
